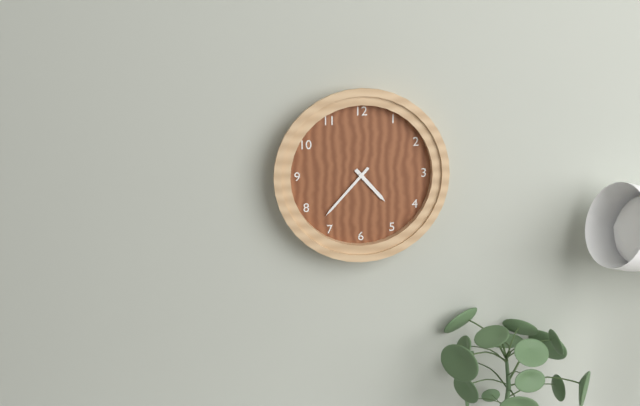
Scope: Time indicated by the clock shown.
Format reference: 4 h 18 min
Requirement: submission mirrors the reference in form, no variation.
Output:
4 h 37 min
